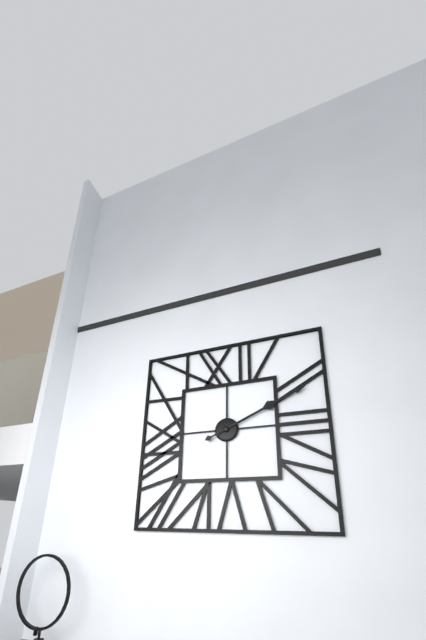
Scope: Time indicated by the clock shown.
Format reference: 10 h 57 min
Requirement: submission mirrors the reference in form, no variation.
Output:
2 h 11 min
